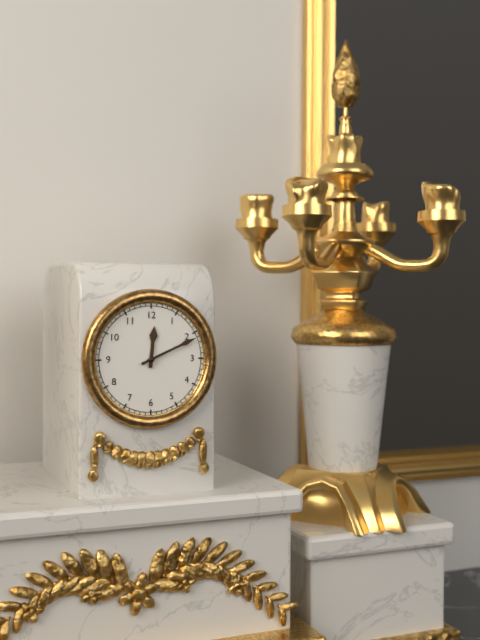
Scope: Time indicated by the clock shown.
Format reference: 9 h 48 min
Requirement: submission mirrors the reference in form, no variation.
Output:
12 h 11 min
